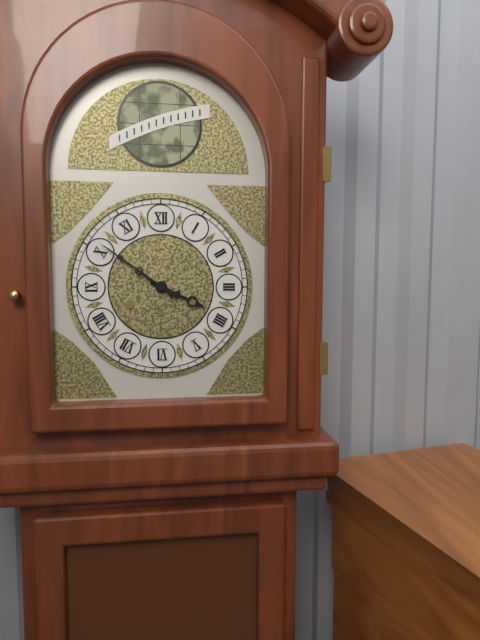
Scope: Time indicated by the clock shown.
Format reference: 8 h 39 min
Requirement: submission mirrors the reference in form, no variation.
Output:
3 h 51 min
